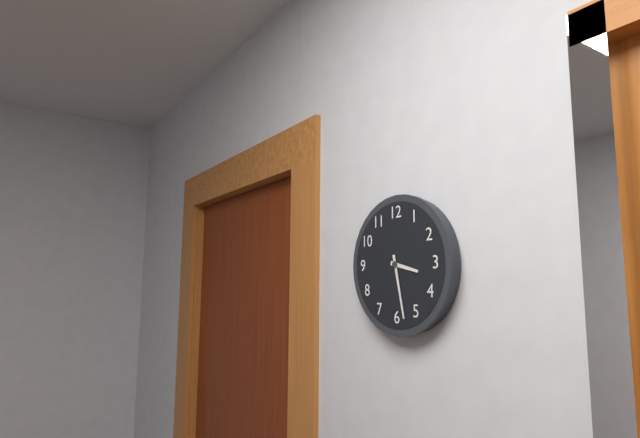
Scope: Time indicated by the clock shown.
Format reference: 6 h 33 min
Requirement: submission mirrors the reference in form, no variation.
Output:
3 h 28 min
